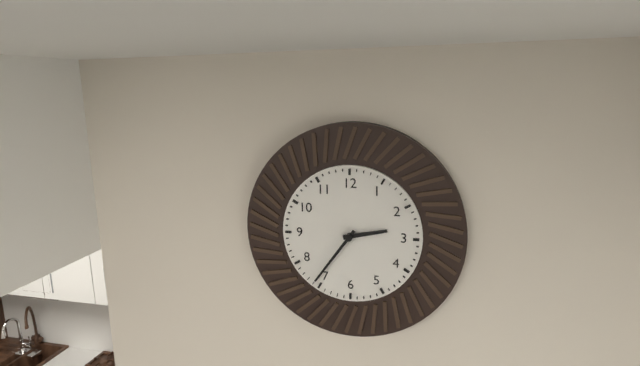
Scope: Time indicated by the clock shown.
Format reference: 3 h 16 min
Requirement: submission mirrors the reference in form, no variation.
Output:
2 h 36 min
